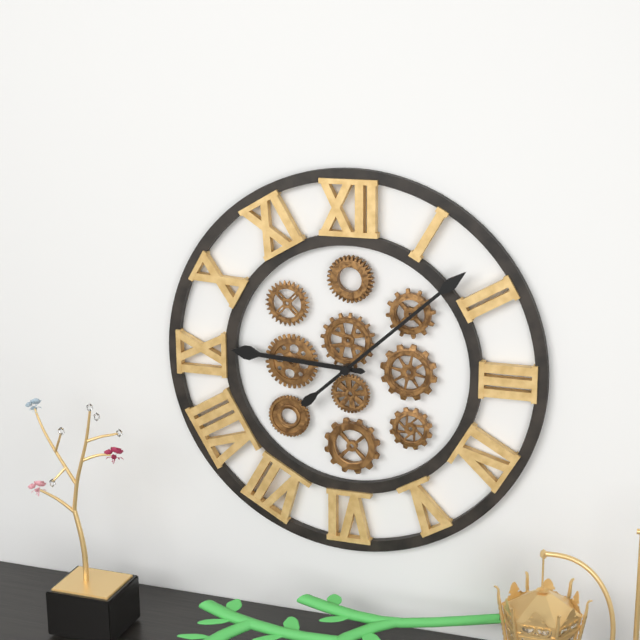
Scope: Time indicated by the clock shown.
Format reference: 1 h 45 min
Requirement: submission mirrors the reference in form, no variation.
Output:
9 h 08 min
